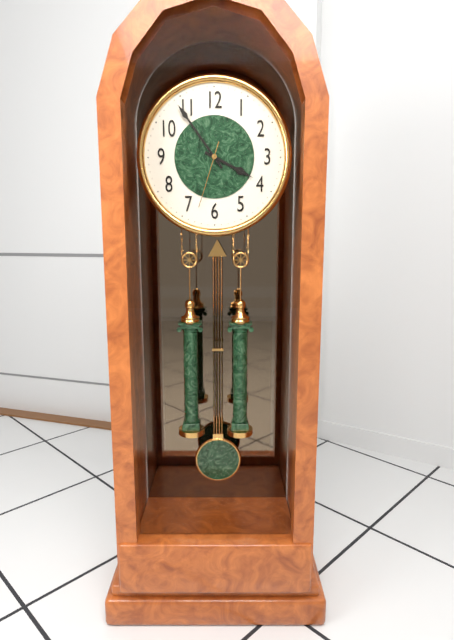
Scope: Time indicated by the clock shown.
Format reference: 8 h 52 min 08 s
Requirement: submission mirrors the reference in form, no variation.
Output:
3 h 54 min 33 s
